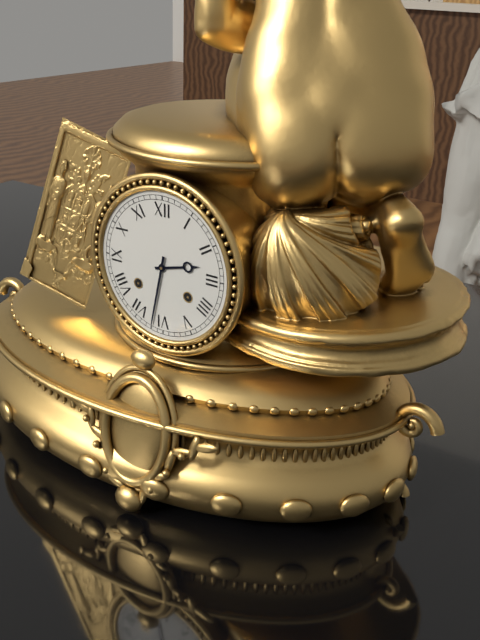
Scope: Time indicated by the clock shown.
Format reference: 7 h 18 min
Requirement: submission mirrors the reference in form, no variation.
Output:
2 h 32 min
